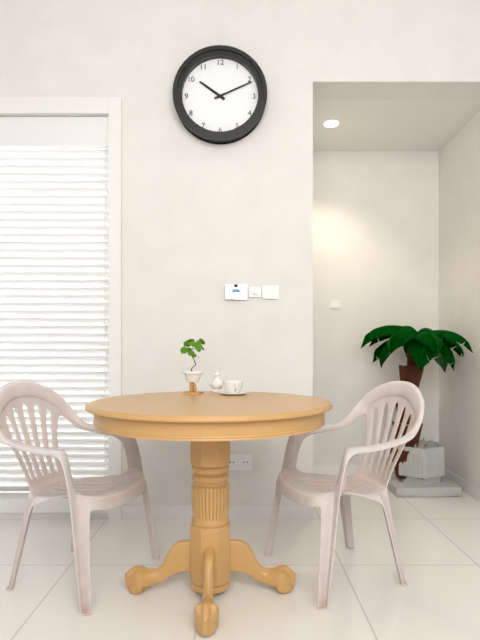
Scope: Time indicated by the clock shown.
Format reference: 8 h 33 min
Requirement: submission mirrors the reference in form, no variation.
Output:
10 h 11 min
